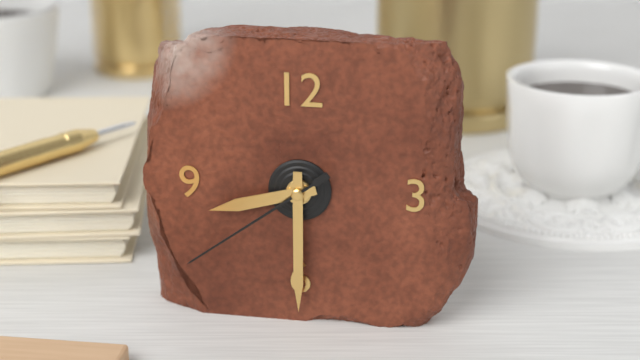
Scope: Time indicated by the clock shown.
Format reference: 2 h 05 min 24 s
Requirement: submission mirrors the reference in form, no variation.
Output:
8 h 30 min 39 s
